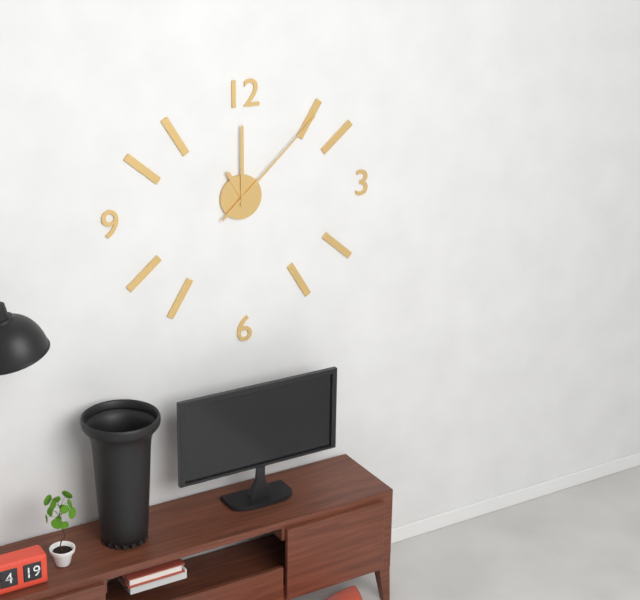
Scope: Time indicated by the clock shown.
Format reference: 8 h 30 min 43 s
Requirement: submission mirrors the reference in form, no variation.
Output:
11 h 00 min 08 s
